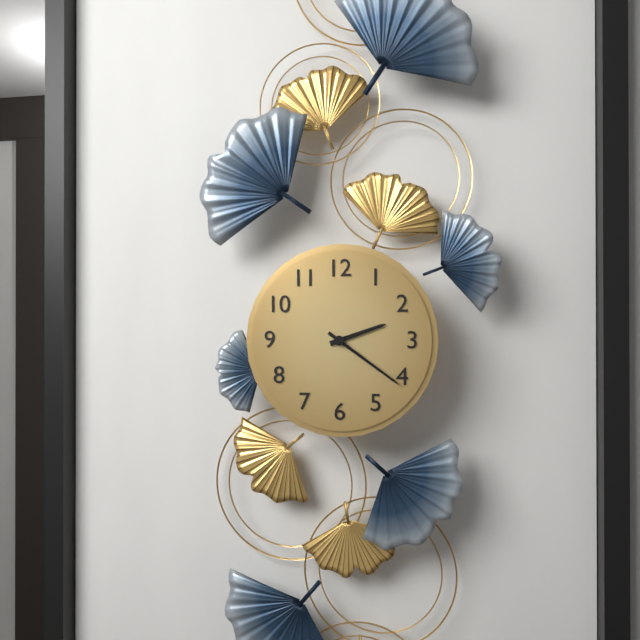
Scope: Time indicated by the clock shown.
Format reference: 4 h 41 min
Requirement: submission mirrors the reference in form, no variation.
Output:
2 h 21 min
